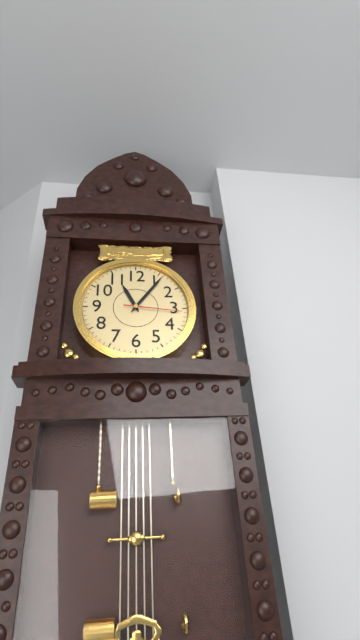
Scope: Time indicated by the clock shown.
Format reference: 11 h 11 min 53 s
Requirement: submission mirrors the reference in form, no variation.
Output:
11 h 06 min 16 s
